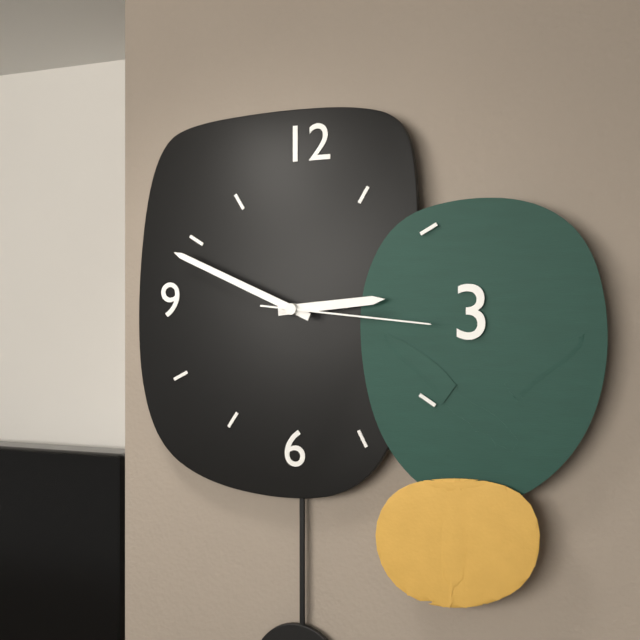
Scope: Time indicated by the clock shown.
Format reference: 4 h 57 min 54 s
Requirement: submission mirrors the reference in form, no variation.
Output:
2 h 49 min 16 s
